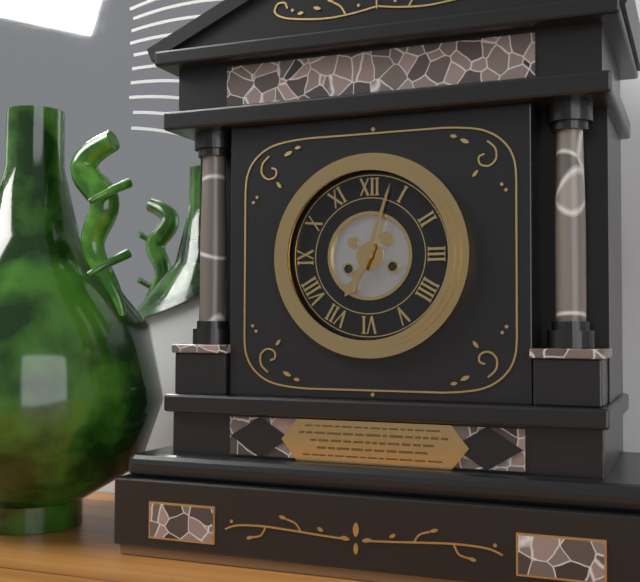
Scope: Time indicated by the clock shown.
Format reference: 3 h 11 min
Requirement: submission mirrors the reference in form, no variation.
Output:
7 h 03 min
